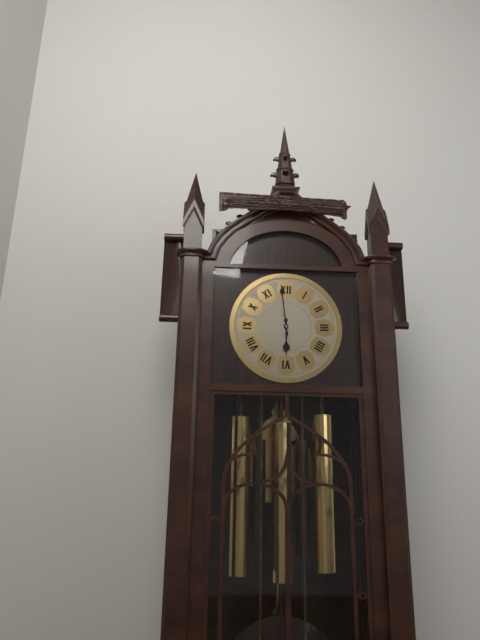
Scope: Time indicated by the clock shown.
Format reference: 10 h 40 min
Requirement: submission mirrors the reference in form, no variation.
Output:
5 h 59 min
